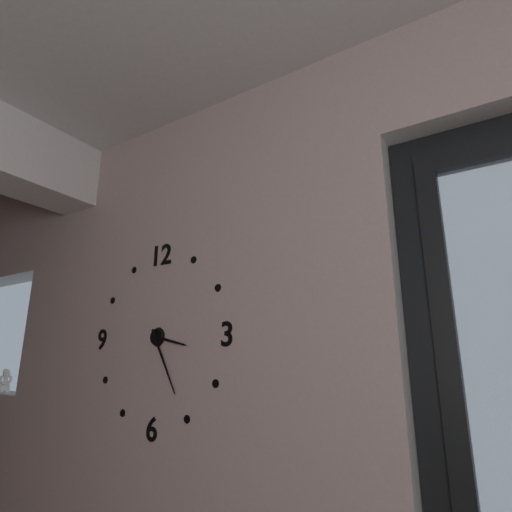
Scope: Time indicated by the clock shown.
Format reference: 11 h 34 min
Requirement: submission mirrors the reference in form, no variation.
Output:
3 h 25 min
